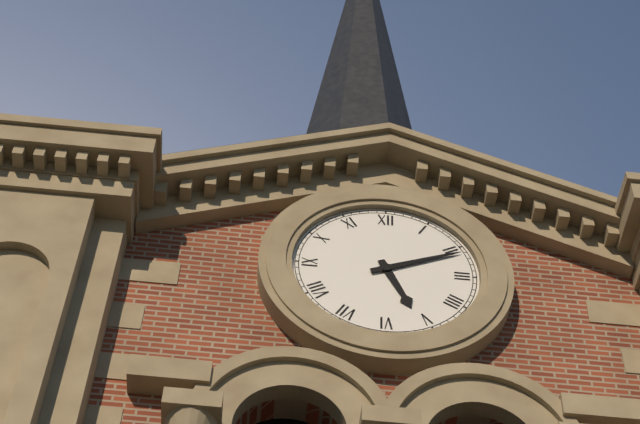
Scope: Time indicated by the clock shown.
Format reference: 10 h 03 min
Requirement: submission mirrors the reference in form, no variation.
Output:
5 h 11 min
